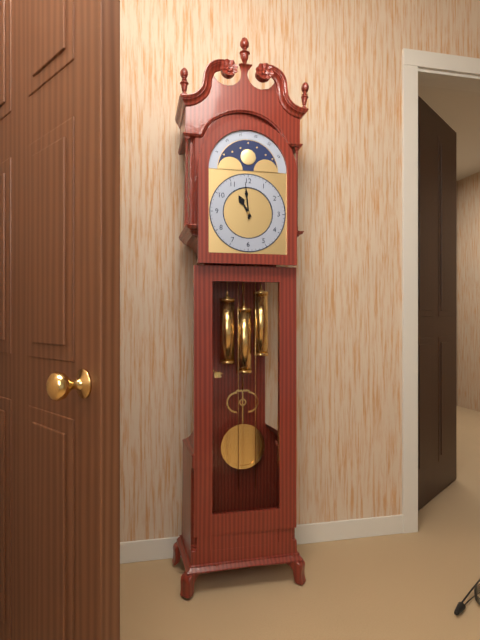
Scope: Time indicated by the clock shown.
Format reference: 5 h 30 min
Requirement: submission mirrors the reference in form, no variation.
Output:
10 h 59 min
